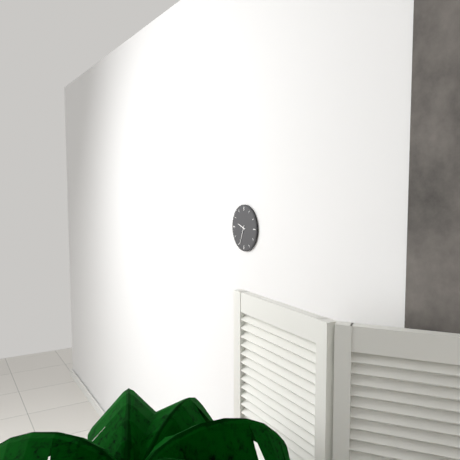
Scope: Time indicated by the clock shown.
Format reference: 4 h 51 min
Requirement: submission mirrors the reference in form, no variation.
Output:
9 h 34 min
